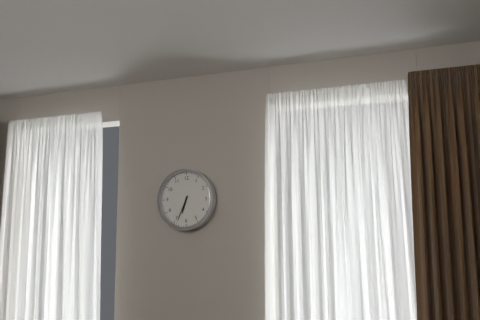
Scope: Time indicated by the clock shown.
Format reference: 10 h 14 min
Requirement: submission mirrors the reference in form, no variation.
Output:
6 h 34 min
